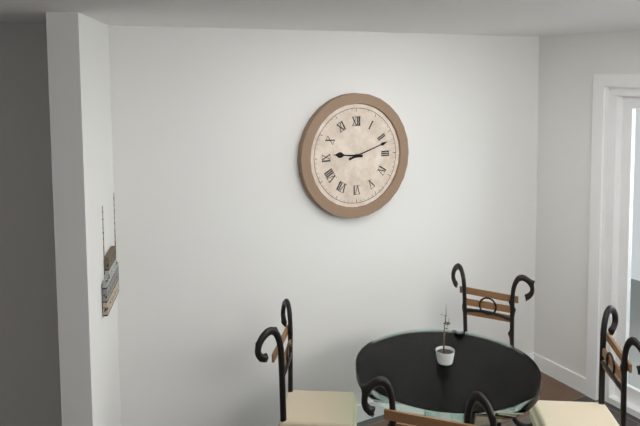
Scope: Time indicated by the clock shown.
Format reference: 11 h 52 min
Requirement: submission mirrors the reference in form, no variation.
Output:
9 h 12 min
